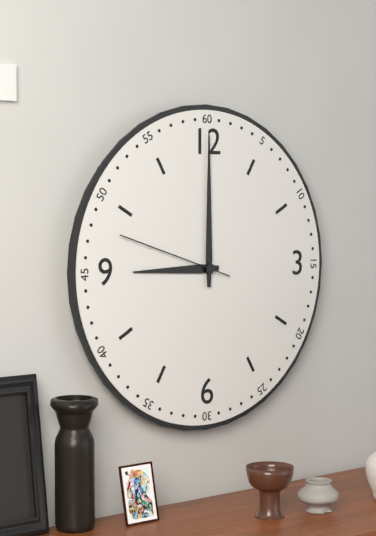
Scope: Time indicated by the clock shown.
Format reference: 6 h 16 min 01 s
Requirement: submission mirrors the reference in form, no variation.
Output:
9 h 00 min 48 s
